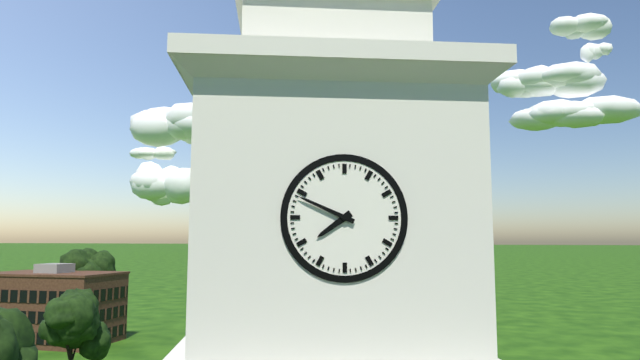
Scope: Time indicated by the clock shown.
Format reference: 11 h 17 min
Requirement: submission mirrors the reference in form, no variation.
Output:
7 h 49 min
